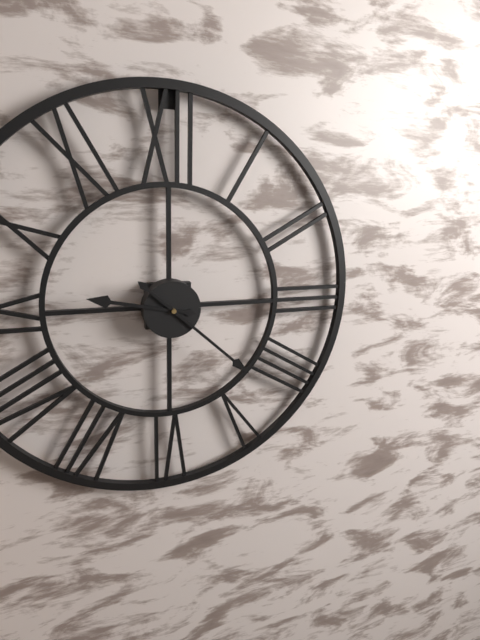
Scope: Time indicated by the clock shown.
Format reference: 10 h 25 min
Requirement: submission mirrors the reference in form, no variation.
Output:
9 h 22 min
